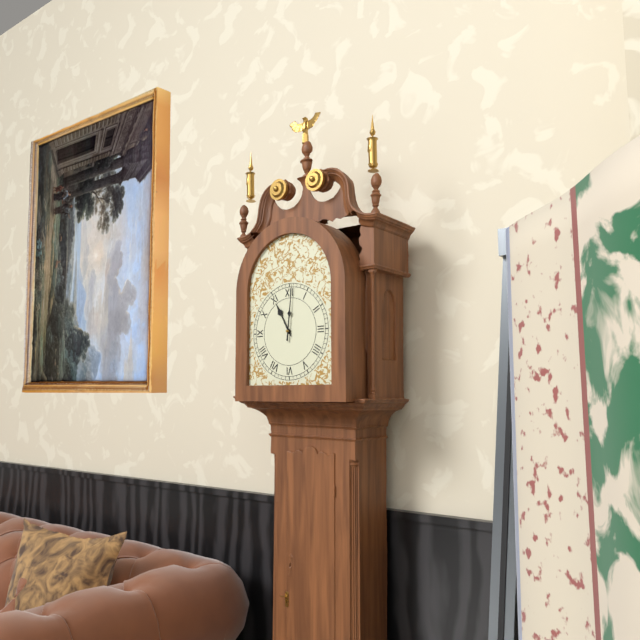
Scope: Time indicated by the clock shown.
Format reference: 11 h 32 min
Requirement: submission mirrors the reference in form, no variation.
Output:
11 h 01 min
